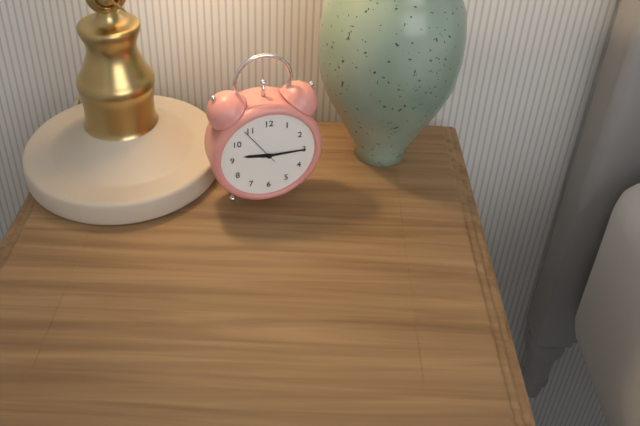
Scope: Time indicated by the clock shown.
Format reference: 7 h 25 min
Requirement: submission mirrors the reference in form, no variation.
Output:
9 h 15 min
